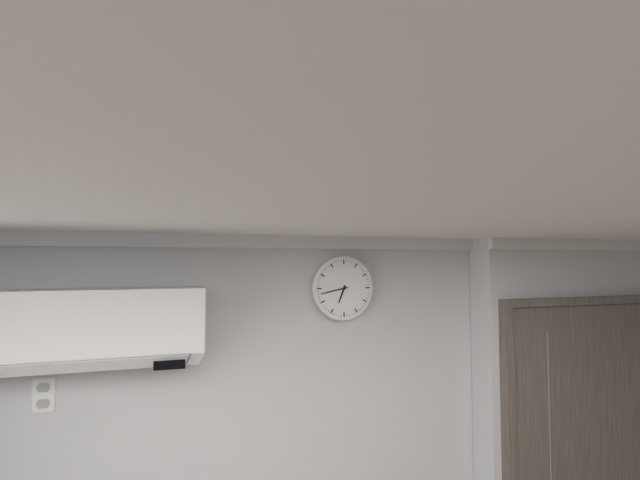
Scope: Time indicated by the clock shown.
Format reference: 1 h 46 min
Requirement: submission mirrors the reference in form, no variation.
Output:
6 h 43 min
